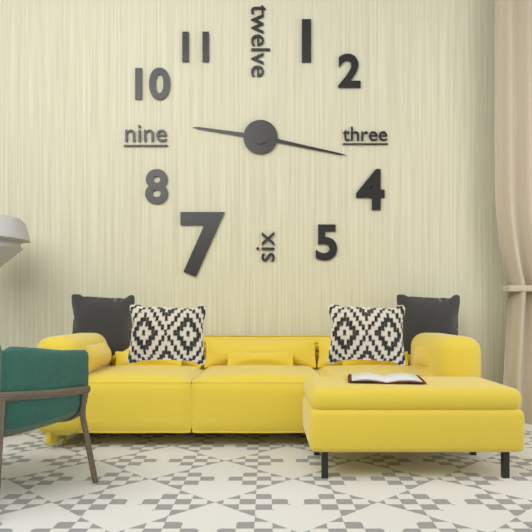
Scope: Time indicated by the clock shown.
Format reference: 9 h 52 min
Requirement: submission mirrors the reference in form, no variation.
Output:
9 h 17 min
